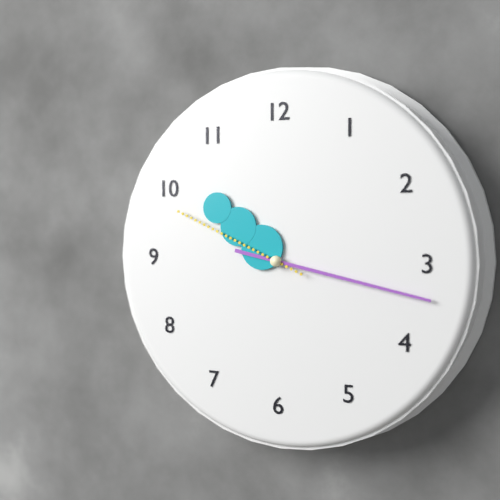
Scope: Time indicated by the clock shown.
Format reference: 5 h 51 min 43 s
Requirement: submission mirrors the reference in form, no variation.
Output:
10 h 17 min 49 s
